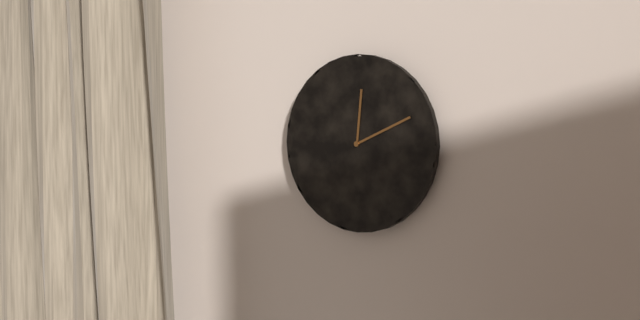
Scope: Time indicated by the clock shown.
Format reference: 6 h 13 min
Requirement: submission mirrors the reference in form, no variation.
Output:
12 h 11 min
